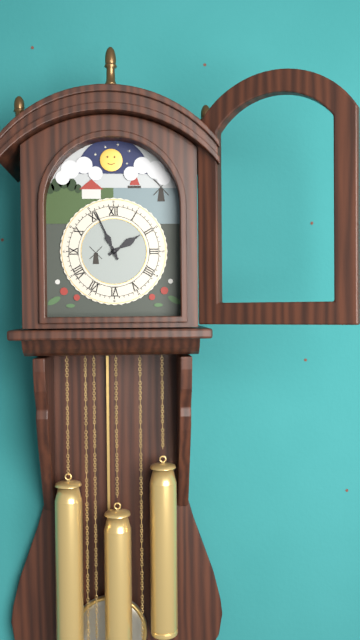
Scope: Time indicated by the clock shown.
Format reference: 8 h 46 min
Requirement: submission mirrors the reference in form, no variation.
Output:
1 h 56 min
